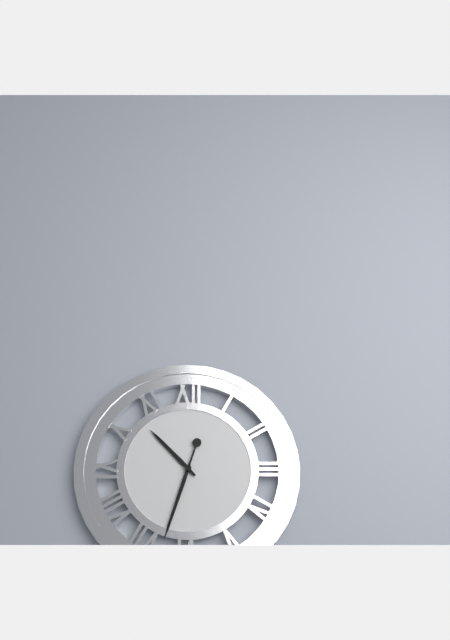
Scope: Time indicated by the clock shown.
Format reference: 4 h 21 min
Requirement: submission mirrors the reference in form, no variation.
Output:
10 h 33 min
